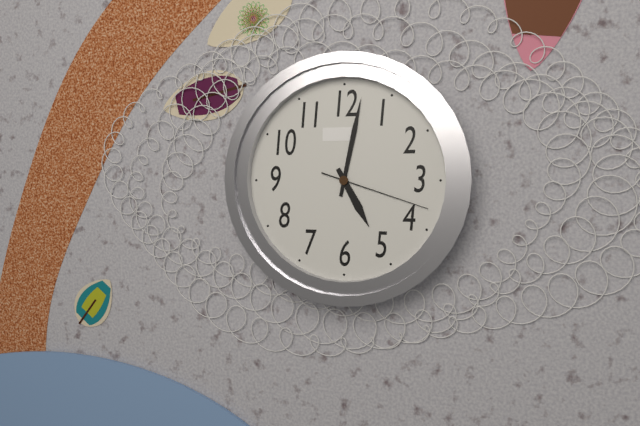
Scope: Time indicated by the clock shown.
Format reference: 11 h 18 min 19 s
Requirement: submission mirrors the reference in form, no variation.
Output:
5 h 02 min 18 s
